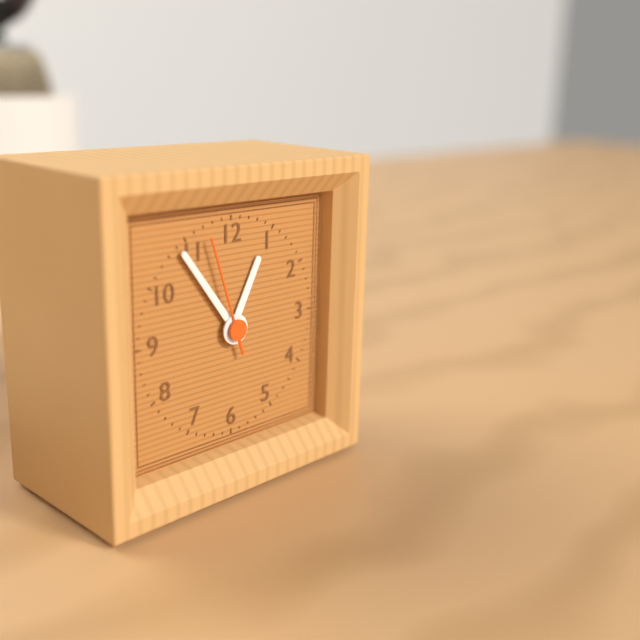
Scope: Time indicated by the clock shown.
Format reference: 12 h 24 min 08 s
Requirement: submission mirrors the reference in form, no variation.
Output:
12 h 54 min 57 s
